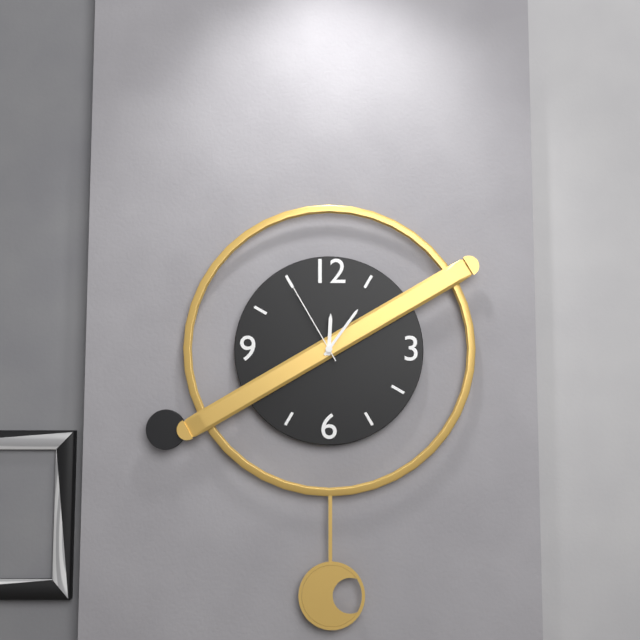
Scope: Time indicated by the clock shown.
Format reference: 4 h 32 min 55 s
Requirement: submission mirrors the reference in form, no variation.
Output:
12 h 06 min 55 s
